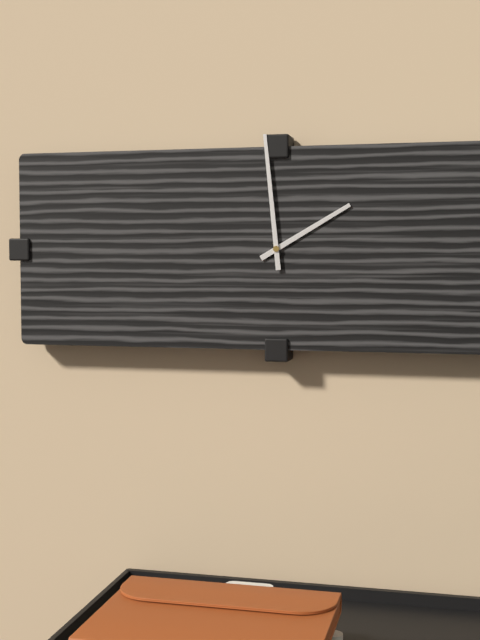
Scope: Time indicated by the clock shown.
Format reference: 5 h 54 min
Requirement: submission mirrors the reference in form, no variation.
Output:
1 h 59 min
